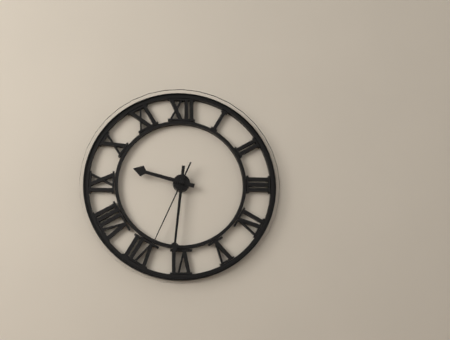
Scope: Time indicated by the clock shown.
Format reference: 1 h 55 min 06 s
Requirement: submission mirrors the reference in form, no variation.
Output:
9 h 31 min 34 s
